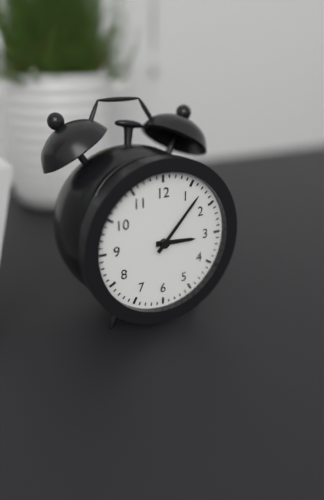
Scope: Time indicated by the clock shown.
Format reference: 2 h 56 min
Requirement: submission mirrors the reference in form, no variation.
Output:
3 h 07 min
